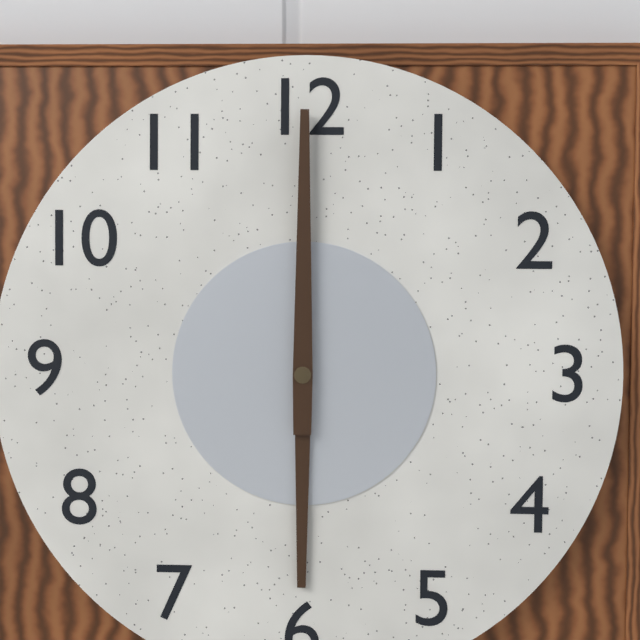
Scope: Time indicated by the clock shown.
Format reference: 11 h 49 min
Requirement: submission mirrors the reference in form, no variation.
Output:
6 h 00 min
